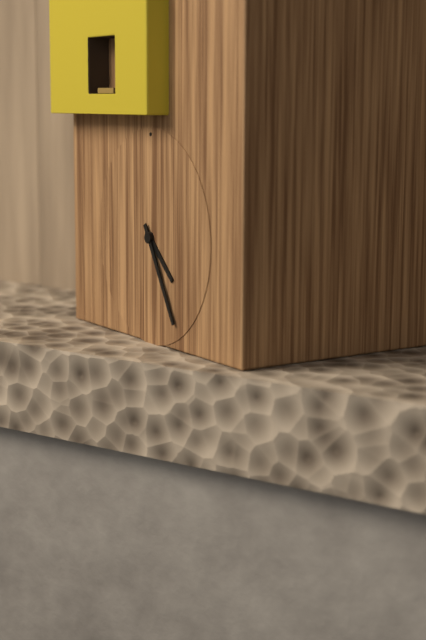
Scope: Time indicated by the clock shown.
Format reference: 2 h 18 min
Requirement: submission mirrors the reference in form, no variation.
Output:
4 h 25 min
